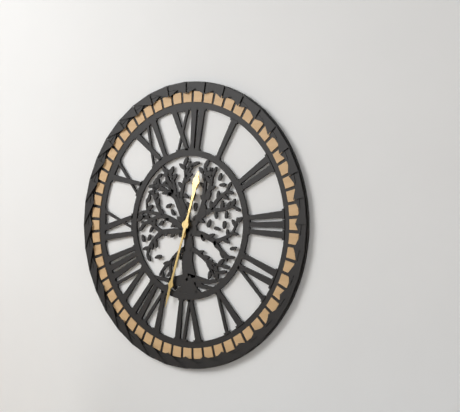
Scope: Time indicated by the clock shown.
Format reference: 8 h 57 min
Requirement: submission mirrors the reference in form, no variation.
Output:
12 h 33 min
